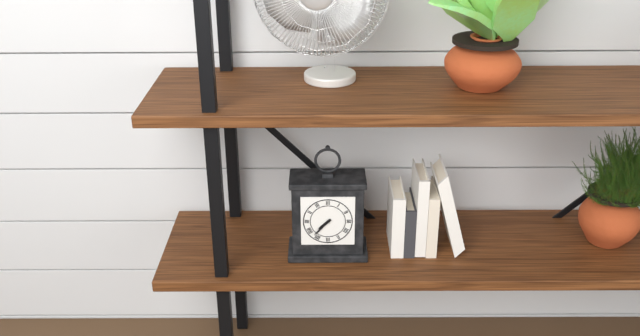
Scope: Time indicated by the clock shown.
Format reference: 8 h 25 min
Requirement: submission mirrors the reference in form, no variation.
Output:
7 h 37 min
